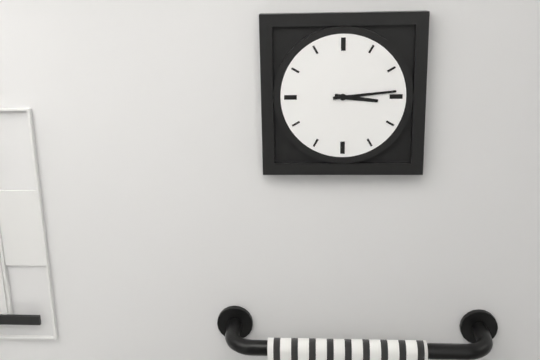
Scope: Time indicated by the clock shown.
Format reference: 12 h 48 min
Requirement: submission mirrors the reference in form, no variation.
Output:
3 h 14 min
